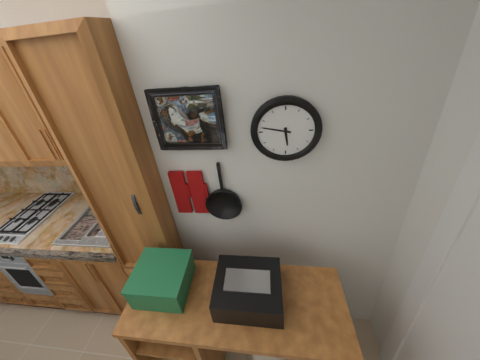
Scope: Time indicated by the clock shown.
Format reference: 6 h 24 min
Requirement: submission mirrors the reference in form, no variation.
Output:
5 h 47 min
